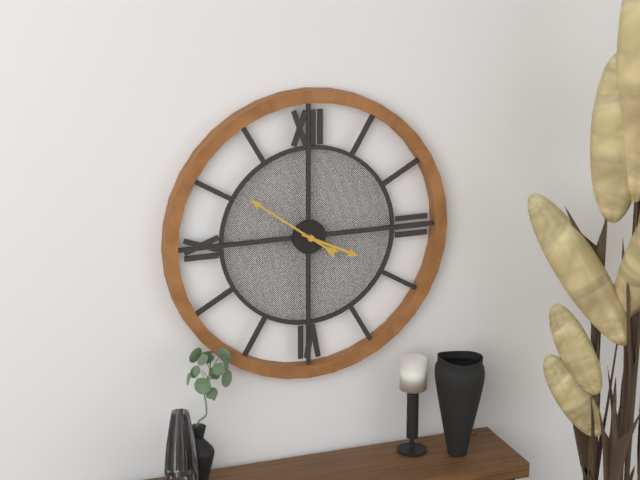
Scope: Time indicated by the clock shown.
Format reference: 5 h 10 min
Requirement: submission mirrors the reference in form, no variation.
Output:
3 h 51 min
